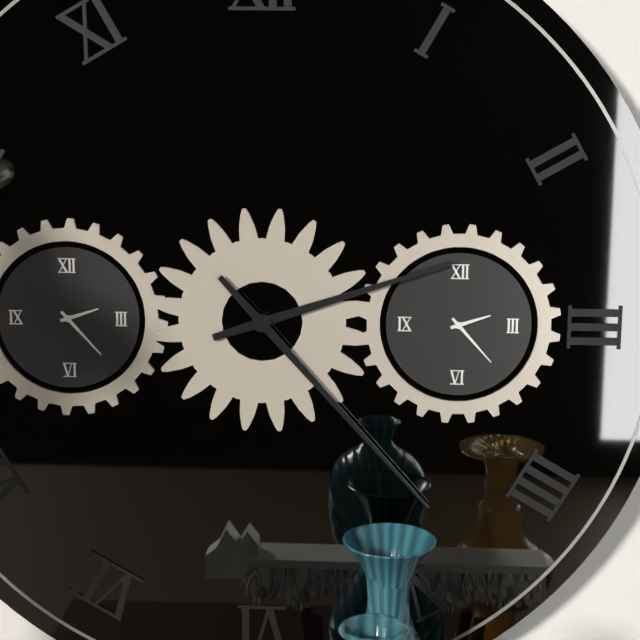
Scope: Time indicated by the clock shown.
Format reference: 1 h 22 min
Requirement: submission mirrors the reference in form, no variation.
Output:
2 h 23 min
